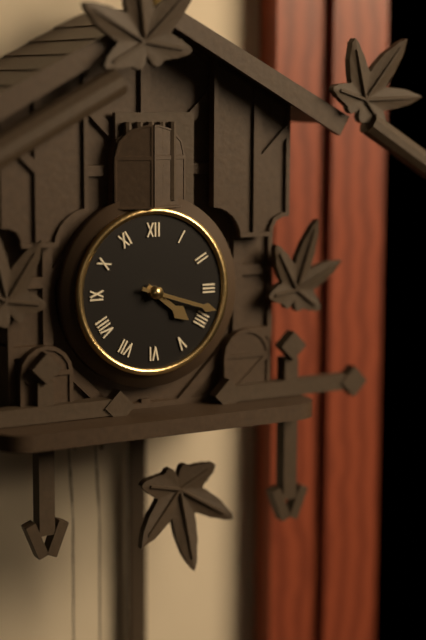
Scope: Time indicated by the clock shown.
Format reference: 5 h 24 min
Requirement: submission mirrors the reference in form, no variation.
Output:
4 h 18 min
